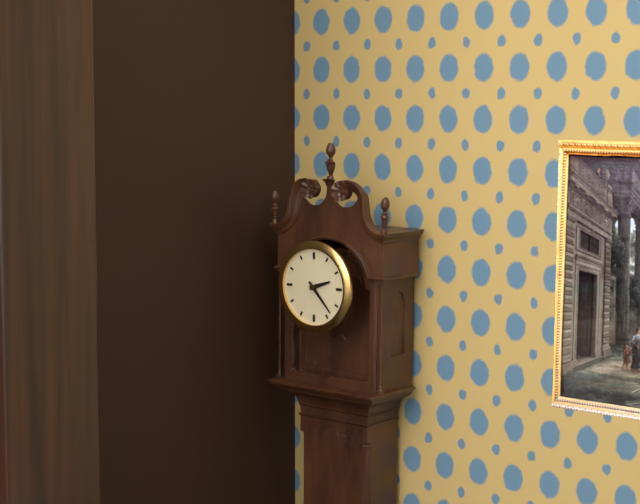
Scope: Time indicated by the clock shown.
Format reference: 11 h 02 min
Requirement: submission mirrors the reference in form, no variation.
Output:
2 h 23 min
